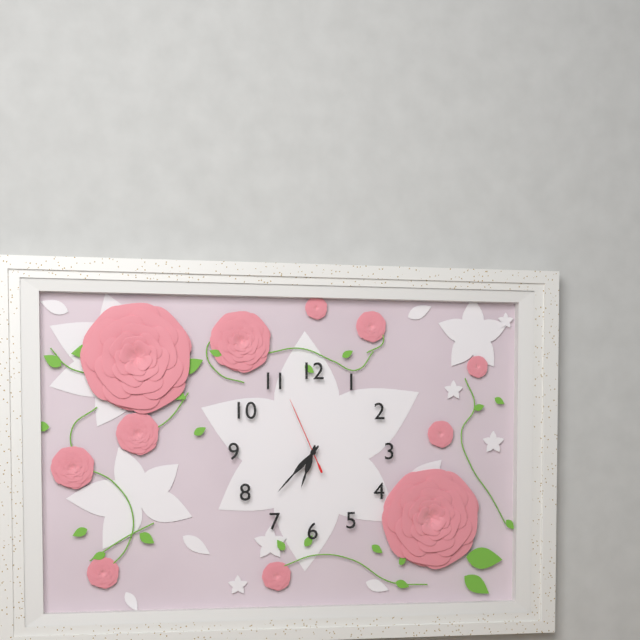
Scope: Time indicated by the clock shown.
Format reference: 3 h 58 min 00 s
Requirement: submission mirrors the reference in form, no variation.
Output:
6 h 37 min 56 s
